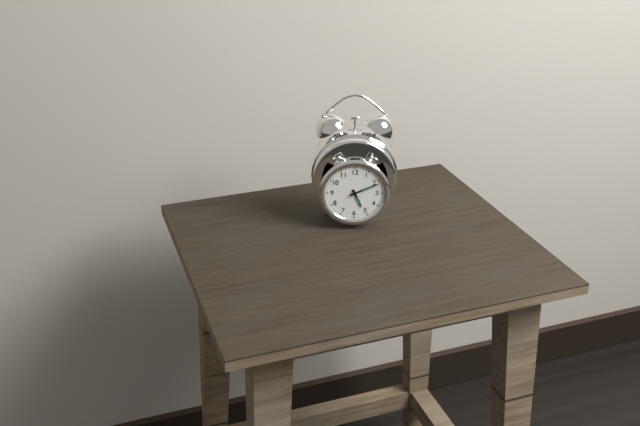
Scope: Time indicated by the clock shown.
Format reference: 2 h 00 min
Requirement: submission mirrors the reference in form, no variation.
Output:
5 h 11 min
